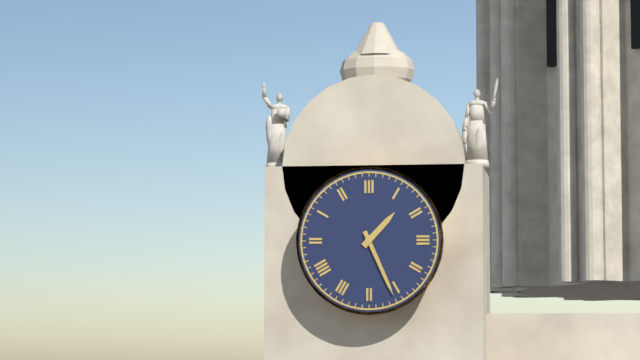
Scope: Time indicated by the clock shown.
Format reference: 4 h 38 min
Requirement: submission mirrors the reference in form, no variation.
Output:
1 h 26 min
